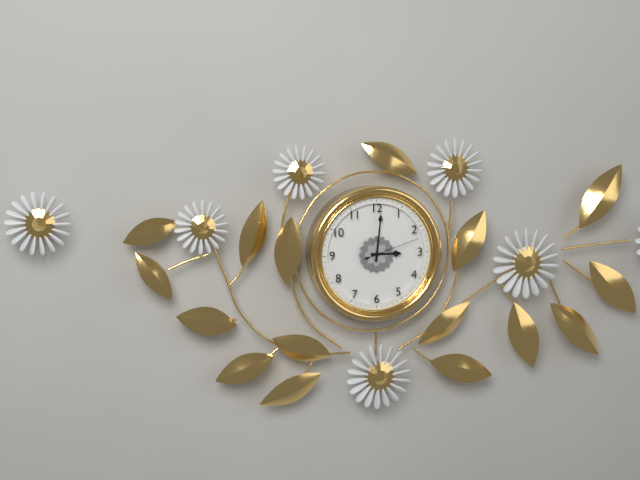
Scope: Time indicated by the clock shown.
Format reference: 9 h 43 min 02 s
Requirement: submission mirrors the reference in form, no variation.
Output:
3 h 01 min 12 s
